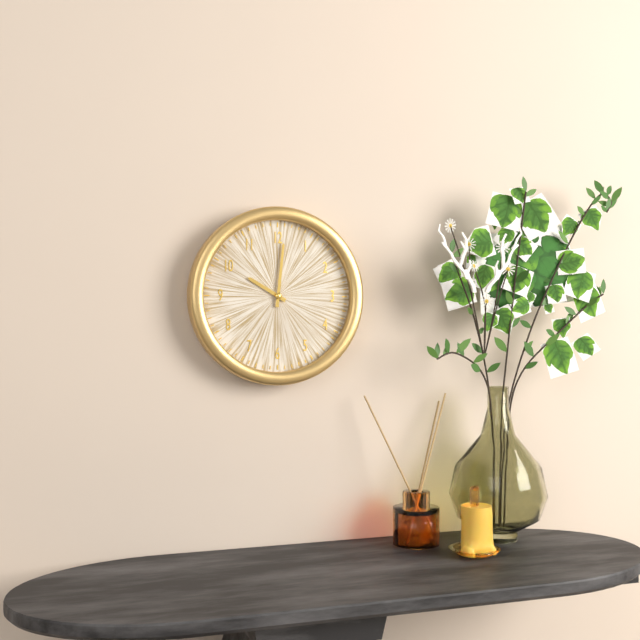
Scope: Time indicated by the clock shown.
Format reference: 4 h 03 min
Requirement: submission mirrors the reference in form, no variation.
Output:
10 h 01 min
